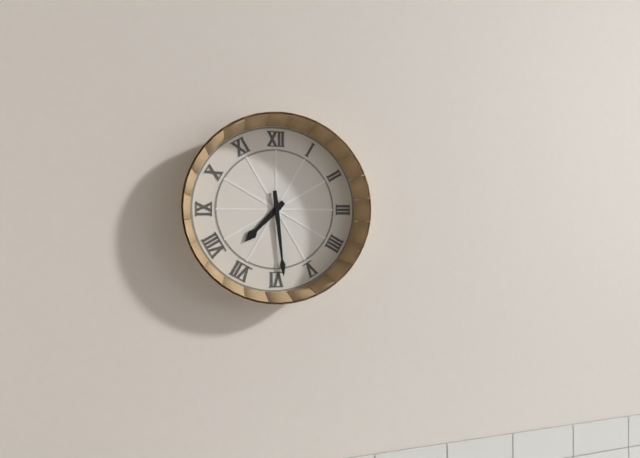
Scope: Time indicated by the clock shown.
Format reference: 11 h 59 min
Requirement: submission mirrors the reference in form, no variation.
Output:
7 h 29 min
